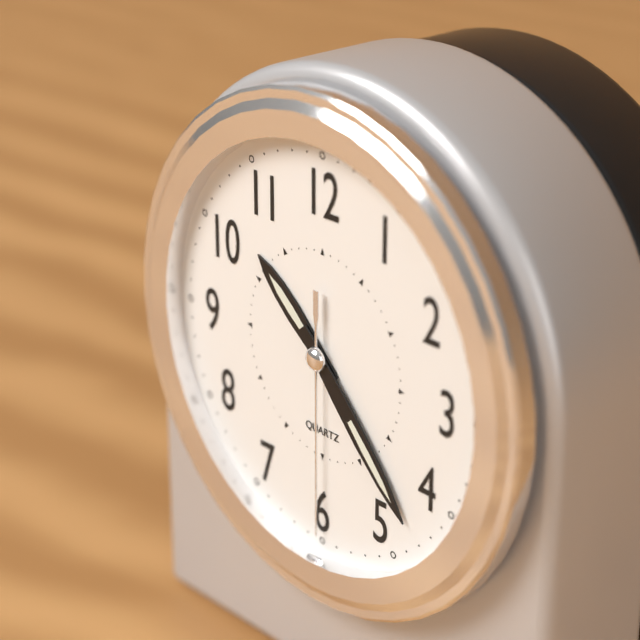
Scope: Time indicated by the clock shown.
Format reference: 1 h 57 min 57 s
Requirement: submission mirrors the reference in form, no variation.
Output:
10 h 23 min 30 s
